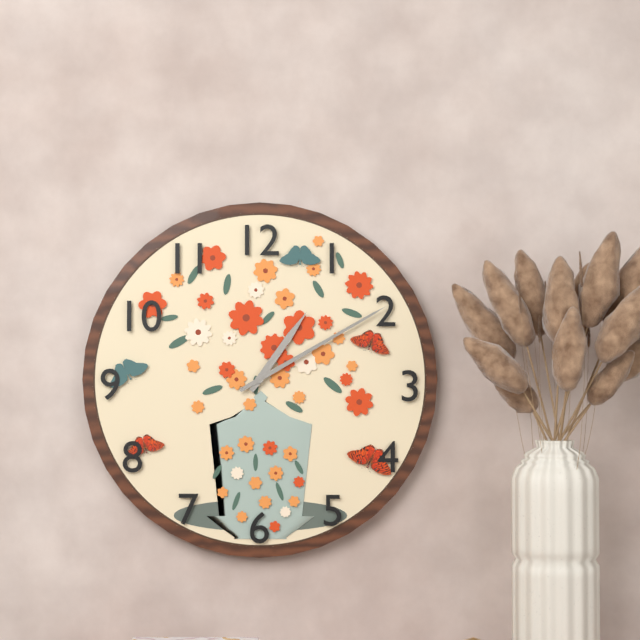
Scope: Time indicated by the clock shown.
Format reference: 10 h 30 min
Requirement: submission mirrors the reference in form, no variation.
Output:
1 h 10 min
